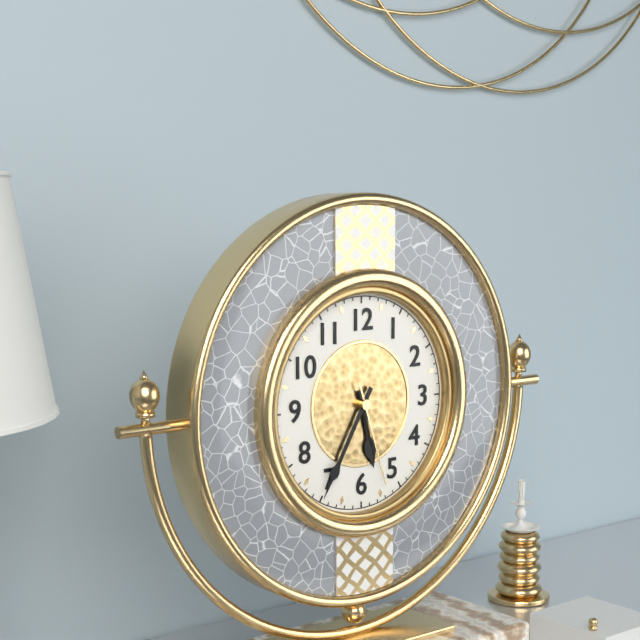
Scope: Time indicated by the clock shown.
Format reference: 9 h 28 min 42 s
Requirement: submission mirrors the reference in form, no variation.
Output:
5 h 35 min 27 s
